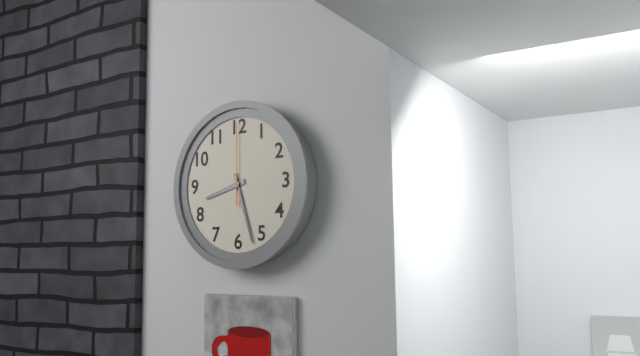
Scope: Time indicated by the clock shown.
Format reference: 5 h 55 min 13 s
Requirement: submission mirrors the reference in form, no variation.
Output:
8 h 27 min 00 s
